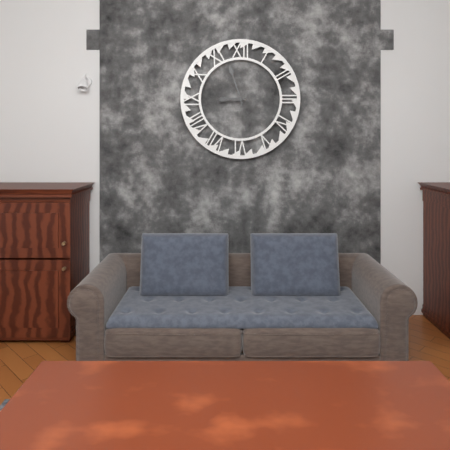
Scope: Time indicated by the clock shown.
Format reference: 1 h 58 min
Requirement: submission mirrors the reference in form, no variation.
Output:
8 h 57 min
